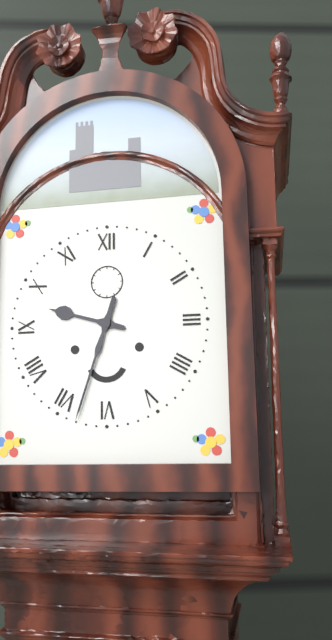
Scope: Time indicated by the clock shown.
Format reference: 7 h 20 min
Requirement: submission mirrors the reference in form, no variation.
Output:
9 h 33 min
